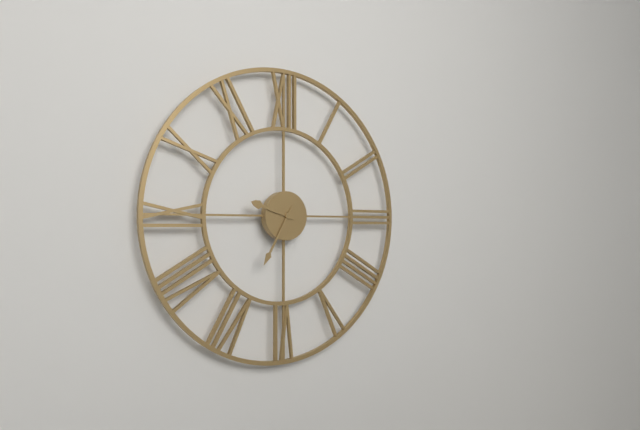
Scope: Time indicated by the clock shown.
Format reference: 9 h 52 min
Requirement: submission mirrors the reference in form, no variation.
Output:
9 h 35 min
